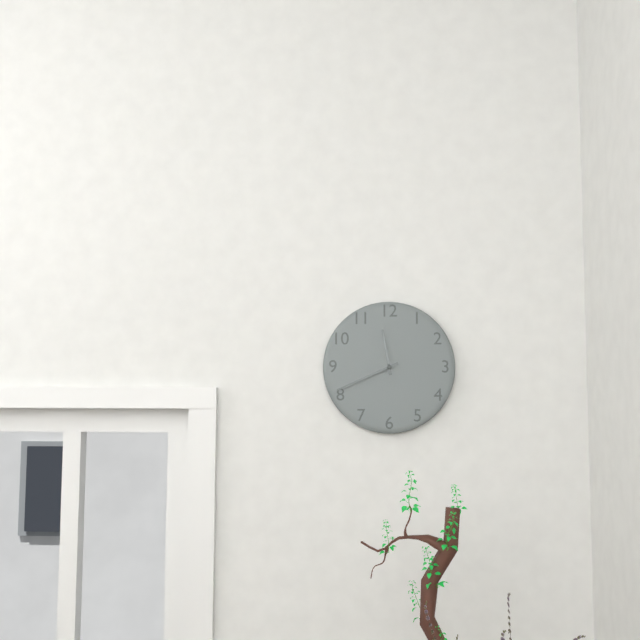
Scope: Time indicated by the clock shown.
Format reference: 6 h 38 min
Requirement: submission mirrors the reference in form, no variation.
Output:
11 h 41 min
